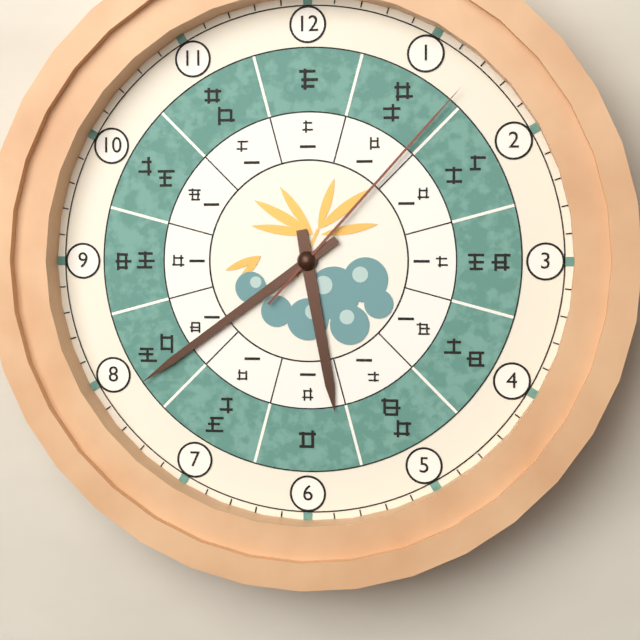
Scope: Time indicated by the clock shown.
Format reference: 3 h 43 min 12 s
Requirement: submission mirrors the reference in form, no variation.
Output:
5 h 39 min 07 s
